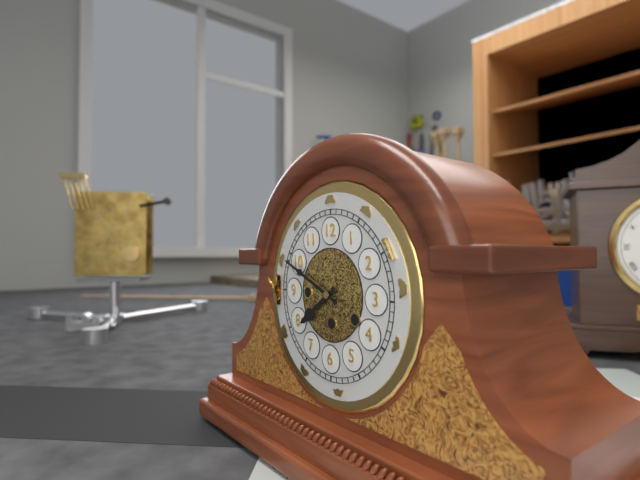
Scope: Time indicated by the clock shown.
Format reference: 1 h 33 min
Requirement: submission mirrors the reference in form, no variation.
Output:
7 h 49 min
